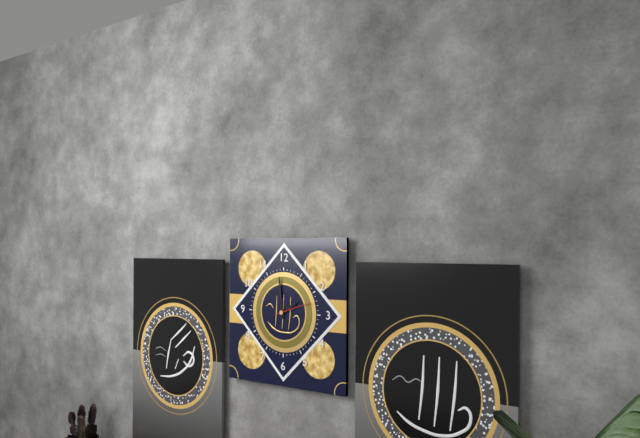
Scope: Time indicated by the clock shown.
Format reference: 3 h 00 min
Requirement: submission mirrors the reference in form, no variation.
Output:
1 h 59 min
